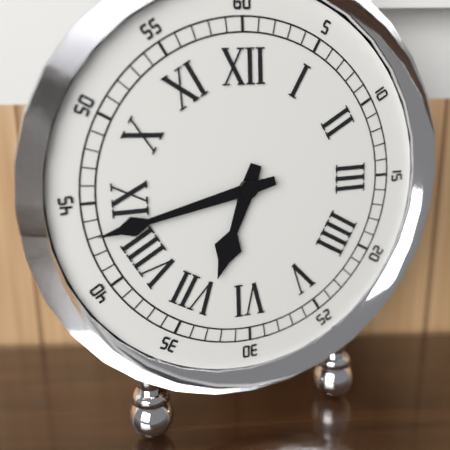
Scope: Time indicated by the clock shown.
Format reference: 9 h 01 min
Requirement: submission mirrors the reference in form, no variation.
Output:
6 h 43 min
